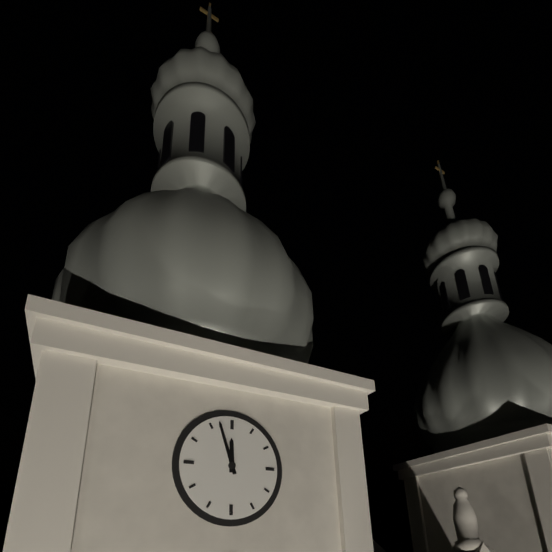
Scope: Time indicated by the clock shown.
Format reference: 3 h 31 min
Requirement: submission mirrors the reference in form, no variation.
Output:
11 h 57 min
